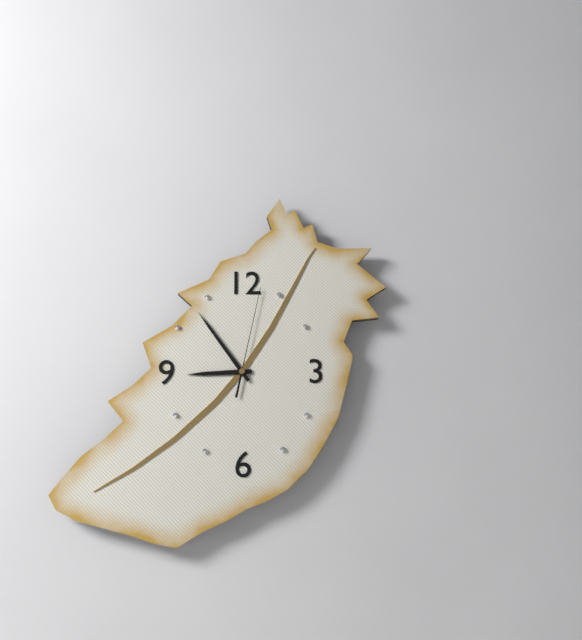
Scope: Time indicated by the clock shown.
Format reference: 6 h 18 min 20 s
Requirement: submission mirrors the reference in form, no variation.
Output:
8 h 54 min 02 s
